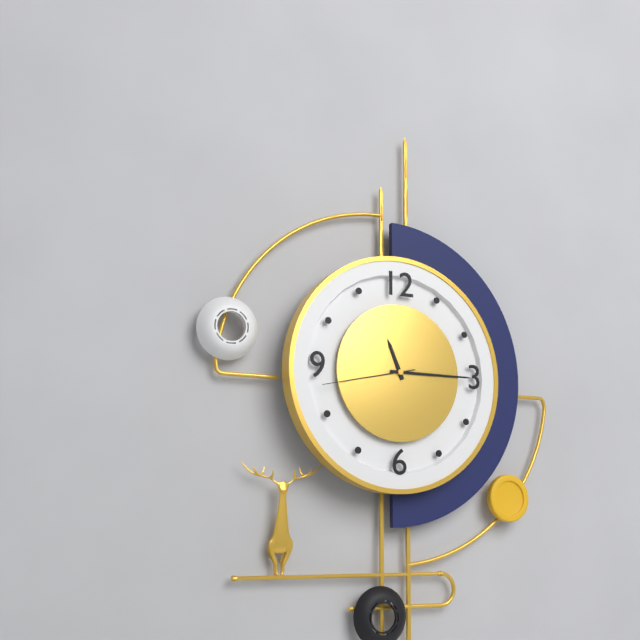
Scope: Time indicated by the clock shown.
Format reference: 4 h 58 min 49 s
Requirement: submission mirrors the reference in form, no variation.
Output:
11 h 15 min 43 s
